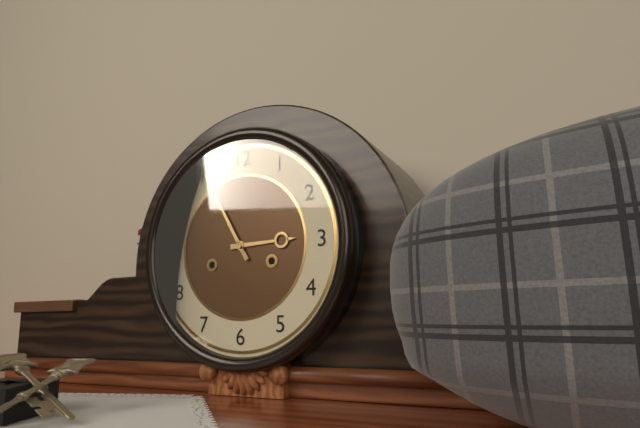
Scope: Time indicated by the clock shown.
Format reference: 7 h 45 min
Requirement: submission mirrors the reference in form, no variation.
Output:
2 h 55 min
